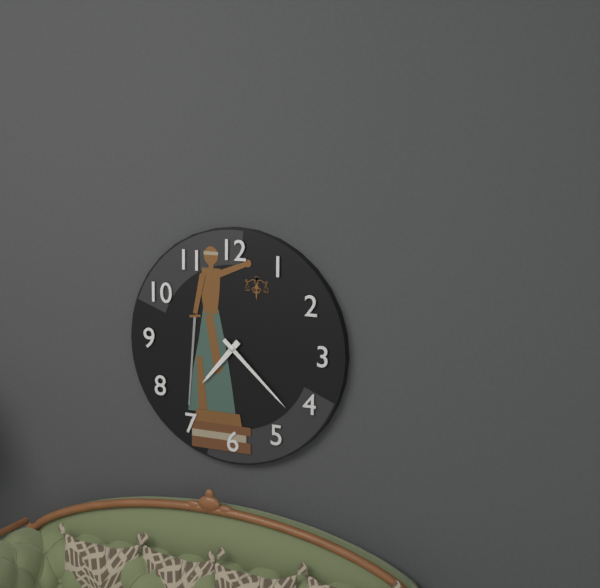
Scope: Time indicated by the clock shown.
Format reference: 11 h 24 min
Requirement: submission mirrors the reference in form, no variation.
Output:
7 h 22 min
